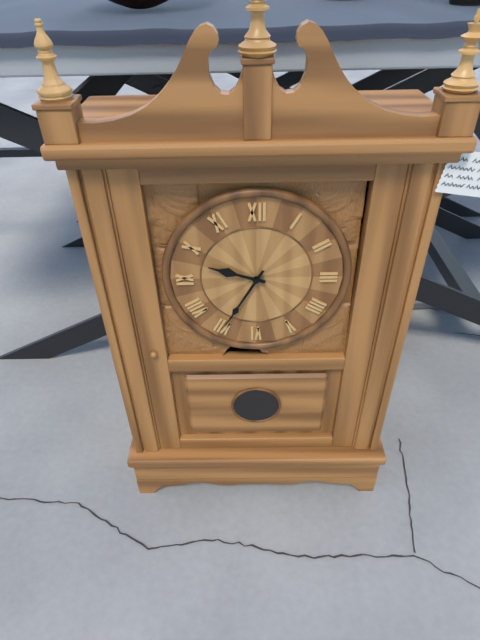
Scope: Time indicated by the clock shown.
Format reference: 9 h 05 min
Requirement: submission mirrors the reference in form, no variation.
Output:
9 h 35 min
